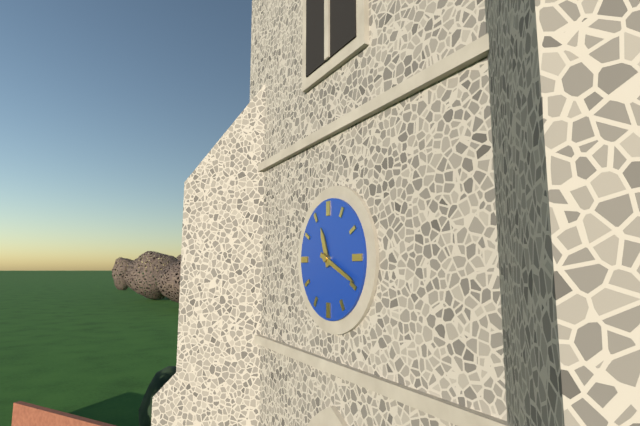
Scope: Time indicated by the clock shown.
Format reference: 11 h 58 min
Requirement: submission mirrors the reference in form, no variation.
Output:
11 h 19 min
